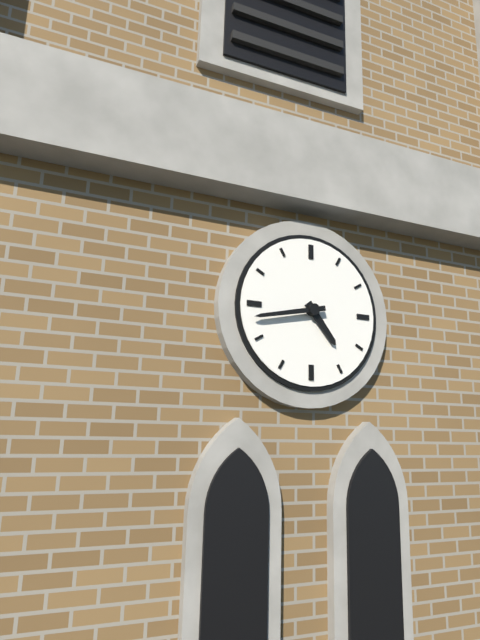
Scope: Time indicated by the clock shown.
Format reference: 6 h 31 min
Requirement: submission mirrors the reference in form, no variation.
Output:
4 h 43 min
